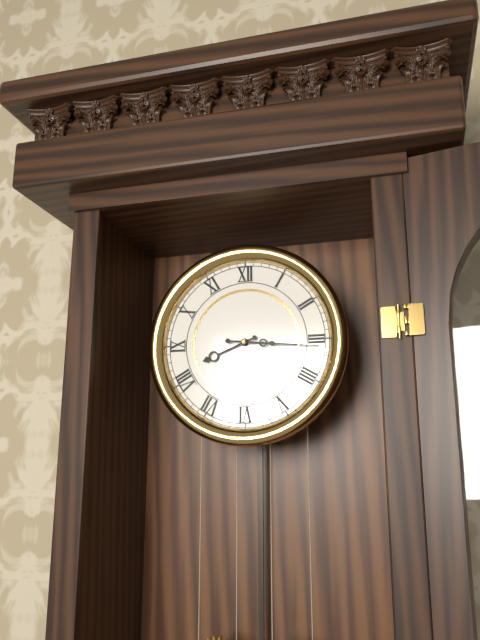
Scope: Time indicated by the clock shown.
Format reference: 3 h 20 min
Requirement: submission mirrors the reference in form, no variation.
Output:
8 h 16 min
